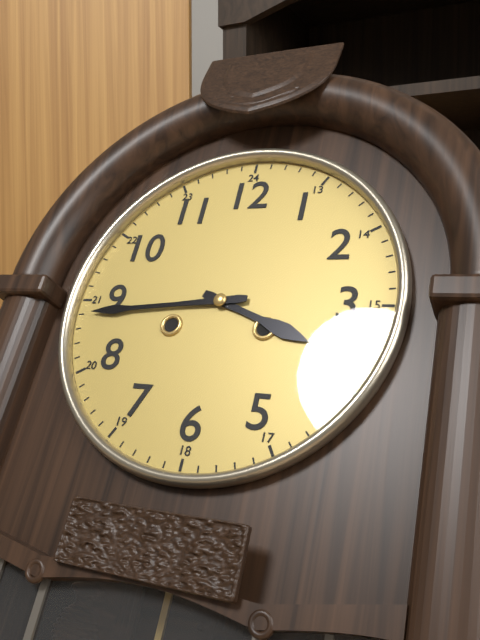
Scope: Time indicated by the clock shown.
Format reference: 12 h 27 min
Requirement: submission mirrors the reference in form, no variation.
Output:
3 h 44 min
